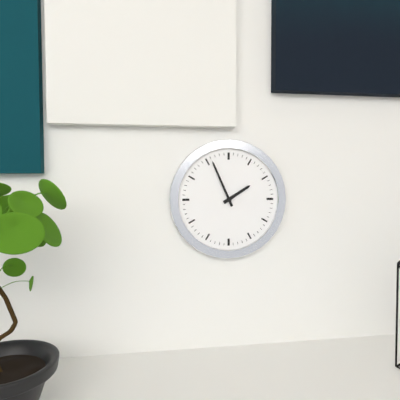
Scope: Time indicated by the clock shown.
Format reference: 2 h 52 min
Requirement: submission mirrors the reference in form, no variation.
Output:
1 h 56 min
